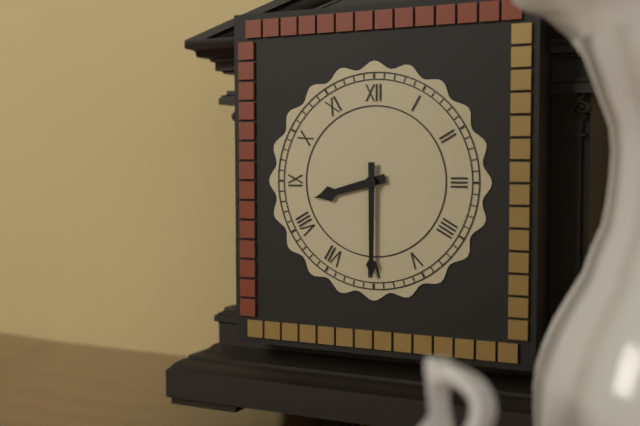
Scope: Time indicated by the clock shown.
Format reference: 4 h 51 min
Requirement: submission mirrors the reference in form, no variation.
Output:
8 h 30 min
